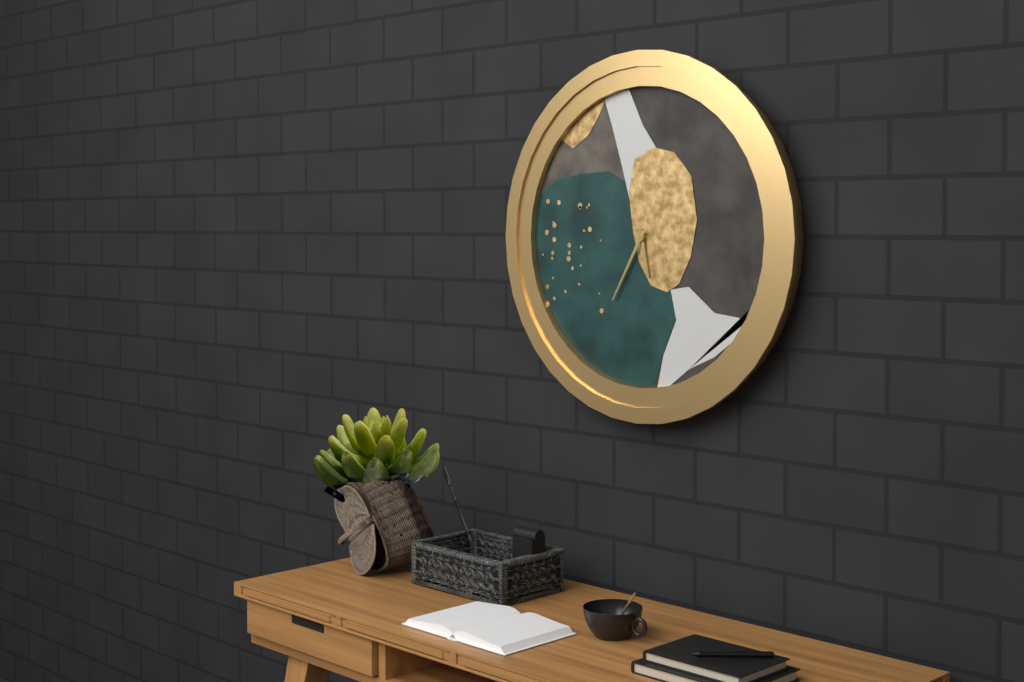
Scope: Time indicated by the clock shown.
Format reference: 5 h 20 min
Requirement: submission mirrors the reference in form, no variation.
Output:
5 h 35 min
